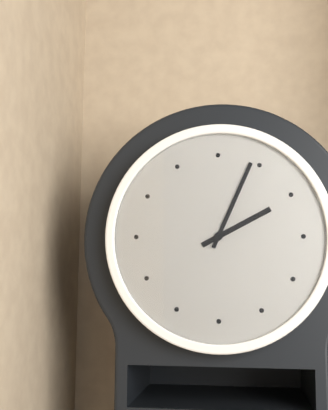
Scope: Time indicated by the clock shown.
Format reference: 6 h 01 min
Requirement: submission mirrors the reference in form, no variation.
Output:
2 h 04 min
